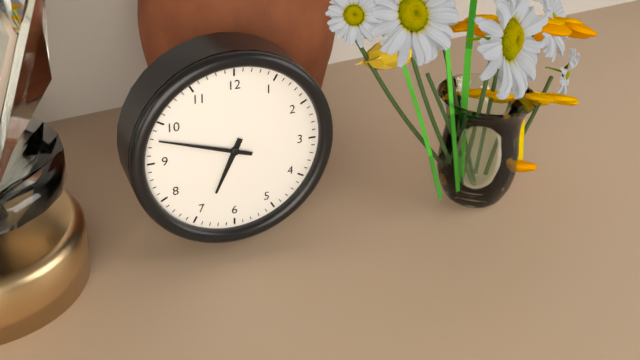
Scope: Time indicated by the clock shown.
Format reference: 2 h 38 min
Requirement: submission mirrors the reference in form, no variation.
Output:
6 h 48 min
